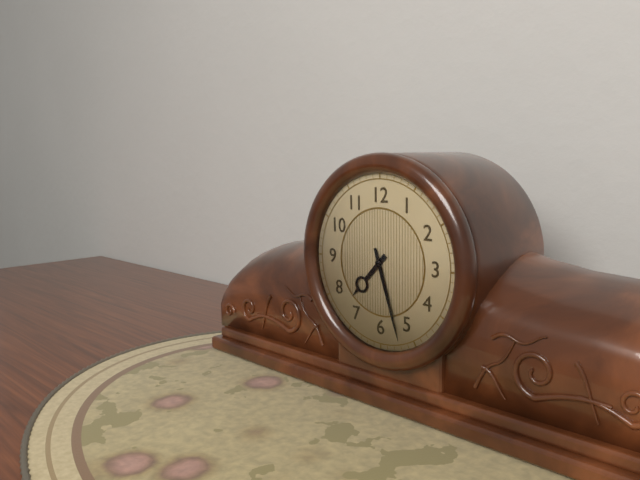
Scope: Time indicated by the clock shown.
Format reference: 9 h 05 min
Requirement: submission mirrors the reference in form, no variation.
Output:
7 h 27 min
